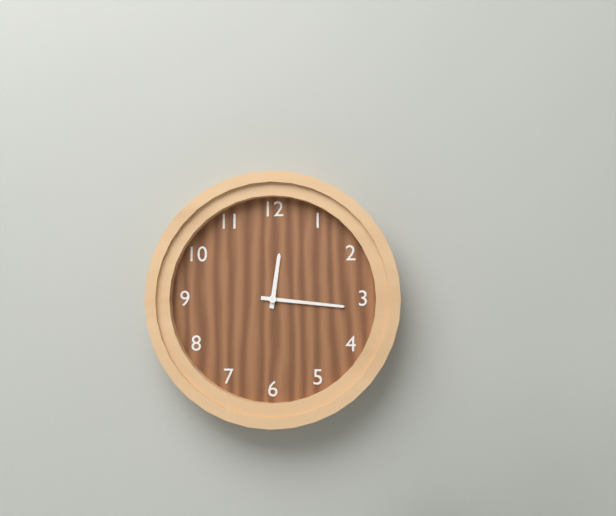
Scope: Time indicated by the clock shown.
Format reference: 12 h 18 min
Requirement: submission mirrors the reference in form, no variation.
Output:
12 h 16 min
